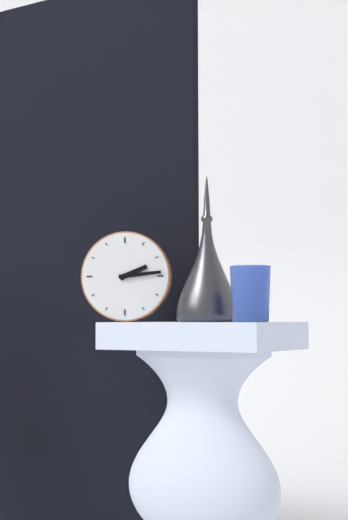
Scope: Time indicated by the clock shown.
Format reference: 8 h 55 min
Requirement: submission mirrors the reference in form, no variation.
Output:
2 h 14 min
